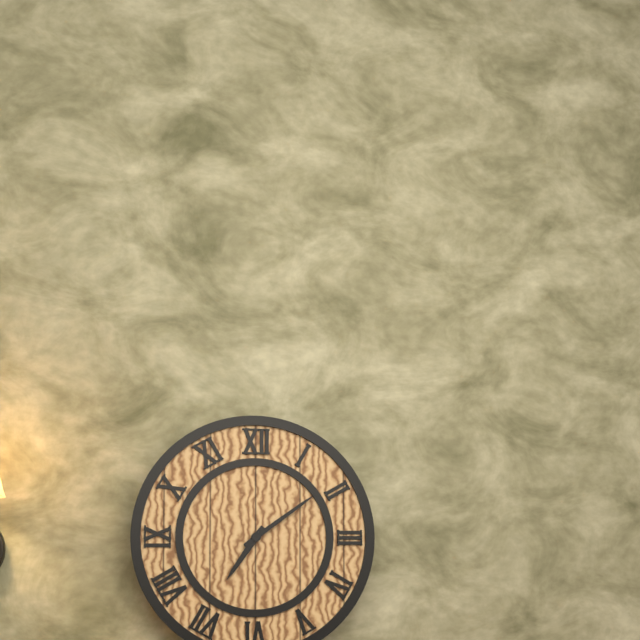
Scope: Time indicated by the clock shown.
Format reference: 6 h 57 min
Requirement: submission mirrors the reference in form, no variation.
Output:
7 h 09 min
